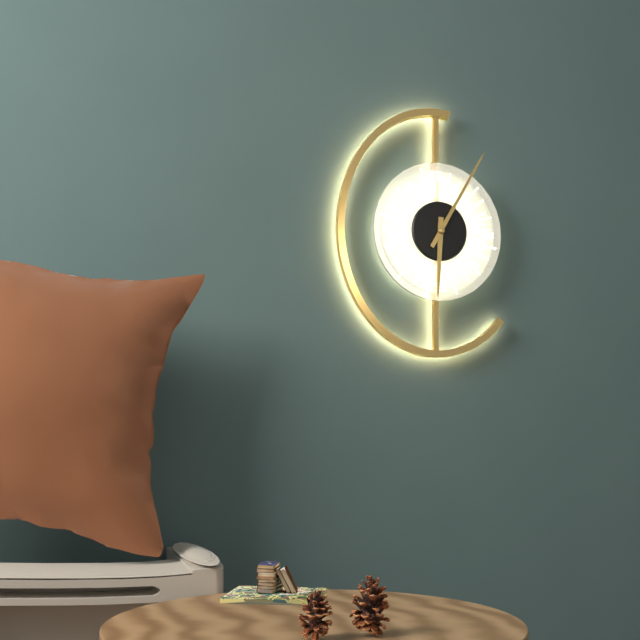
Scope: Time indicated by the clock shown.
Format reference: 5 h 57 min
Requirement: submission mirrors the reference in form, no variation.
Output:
6 h 05 min
